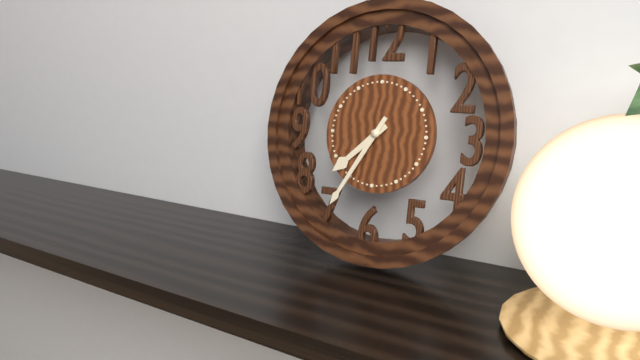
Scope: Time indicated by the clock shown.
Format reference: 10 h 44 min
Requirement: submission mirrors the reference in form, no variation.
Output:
7 h 35 min
